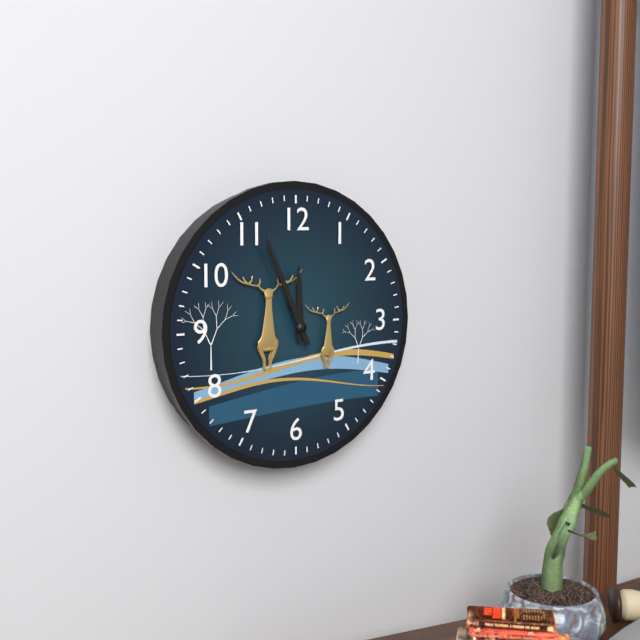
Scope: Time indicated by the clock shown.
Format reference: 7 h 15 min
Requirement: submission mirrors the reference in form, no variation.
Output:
11 h 56 min
